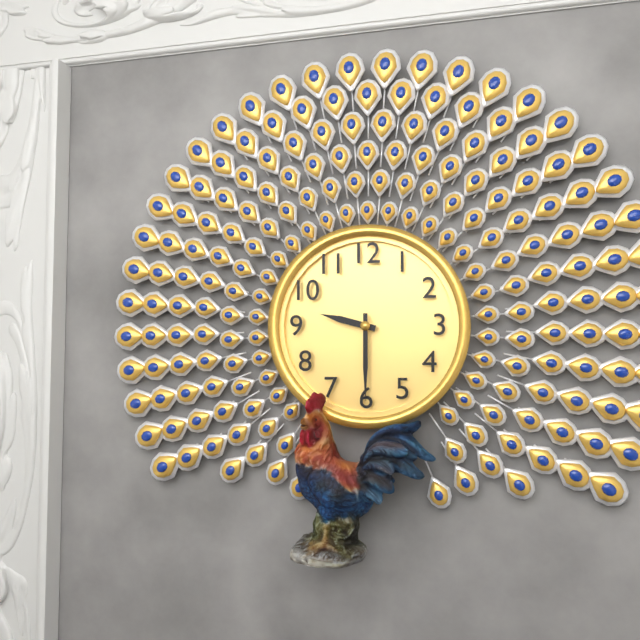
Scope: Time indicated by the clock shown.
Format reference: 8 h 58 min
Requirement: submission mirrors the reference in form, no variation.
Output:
9 h 30 min
